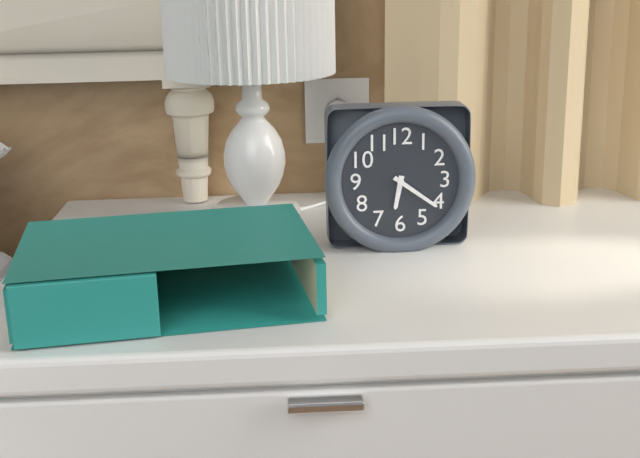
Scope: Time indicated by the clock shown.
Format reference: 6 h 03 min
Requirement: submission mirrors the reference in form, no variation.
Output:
6 h 21 min
